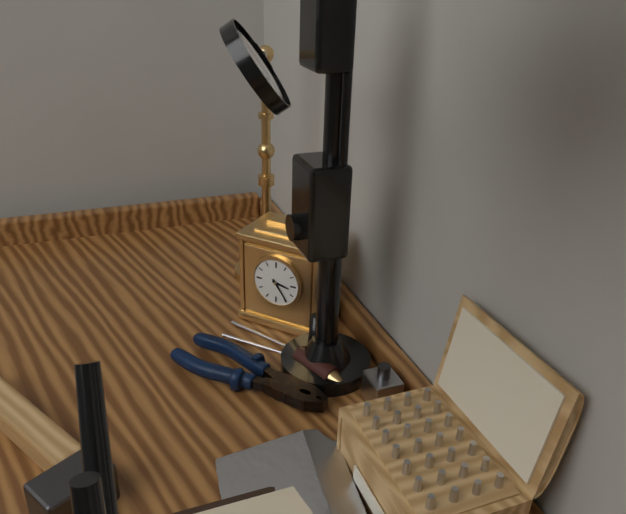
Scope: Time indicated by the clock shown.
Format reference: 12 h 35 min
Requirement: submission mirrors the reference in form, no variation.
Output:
3 h 24 min
